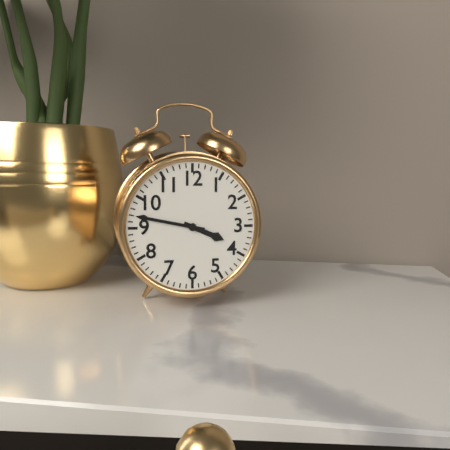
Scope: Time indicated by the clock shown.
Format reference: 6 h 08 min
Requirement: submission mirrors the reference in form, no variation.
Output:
3 h 47 min
